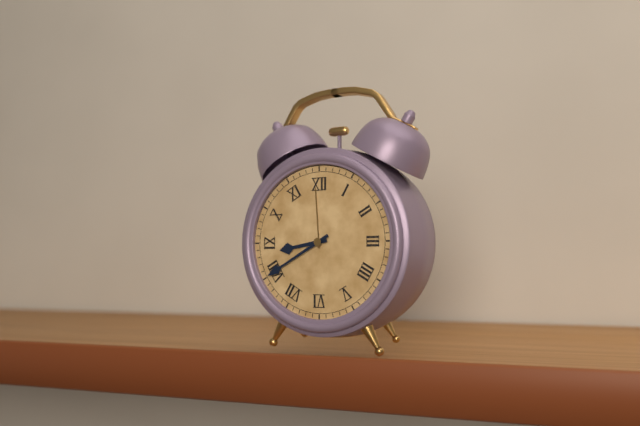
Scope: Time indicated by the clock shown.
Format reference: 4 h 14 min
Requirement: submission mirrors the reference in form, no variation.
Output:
8 h 40 min
